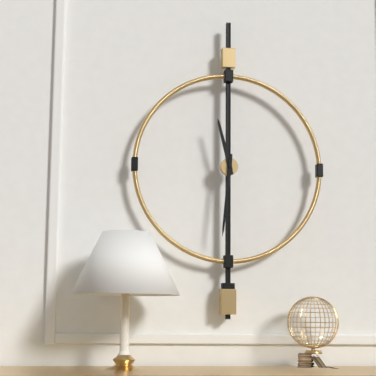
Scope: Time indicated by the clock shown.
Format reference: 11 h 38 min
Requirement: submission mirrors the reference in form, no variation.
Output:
11 h 31 min
